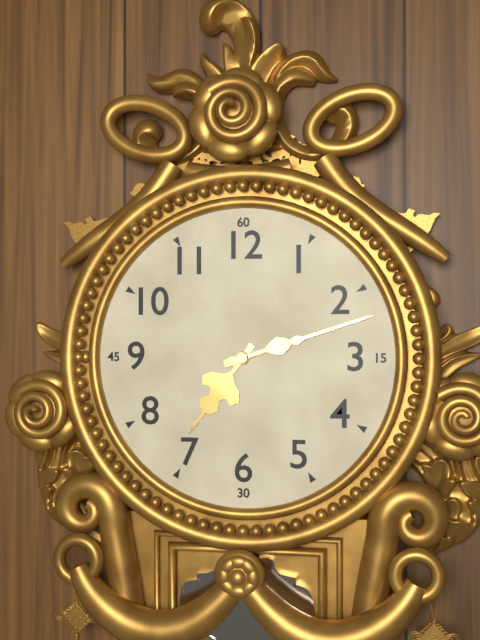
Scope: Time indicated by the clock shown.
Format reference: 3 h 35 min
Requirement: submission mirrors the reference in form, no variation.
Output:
7 h 12 min
